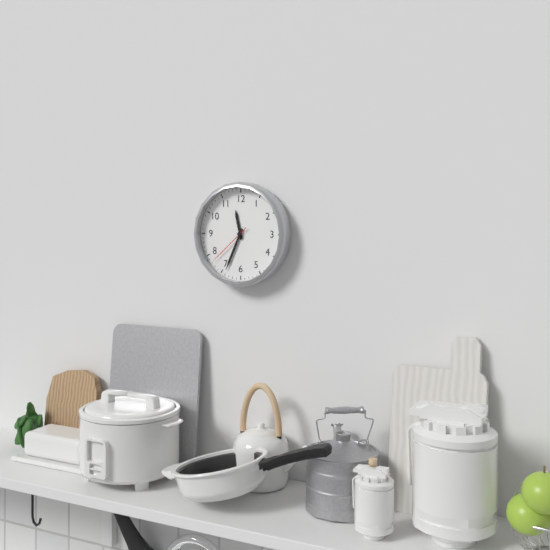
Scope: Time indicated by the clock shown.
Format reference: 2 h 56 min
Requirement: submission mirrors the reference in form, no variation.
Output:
11 h 34 min
